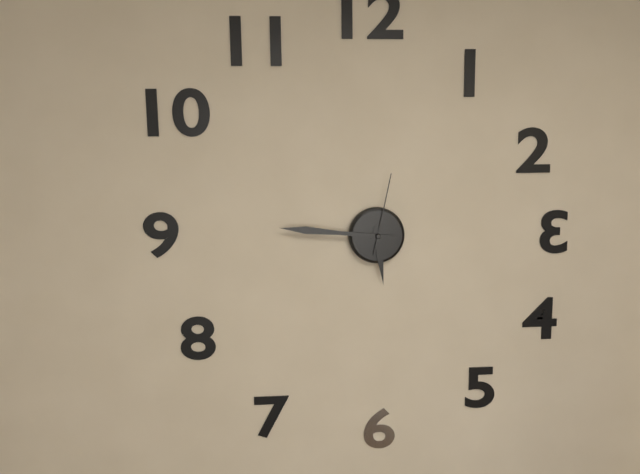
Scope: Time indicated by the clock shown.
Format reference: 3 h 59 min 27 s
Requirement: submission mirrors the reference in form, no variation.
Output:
5 h 46 min 02 s
